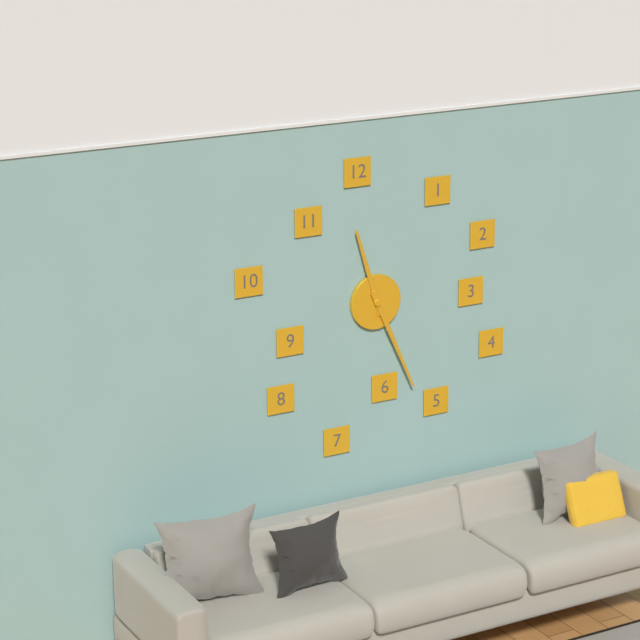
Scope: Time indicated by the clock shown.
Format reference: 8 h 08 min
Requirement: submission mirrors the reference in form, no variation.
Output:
11 h 26 min
